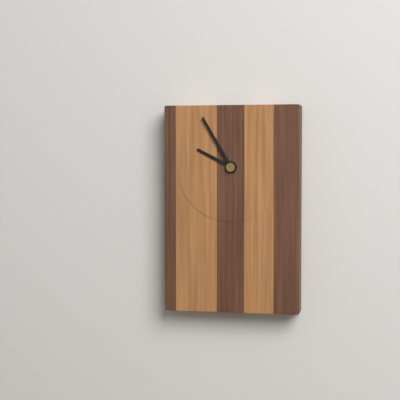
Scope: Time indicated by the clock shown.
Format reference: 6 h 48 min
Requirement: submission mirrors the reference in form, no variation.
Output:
9 h 55 min
